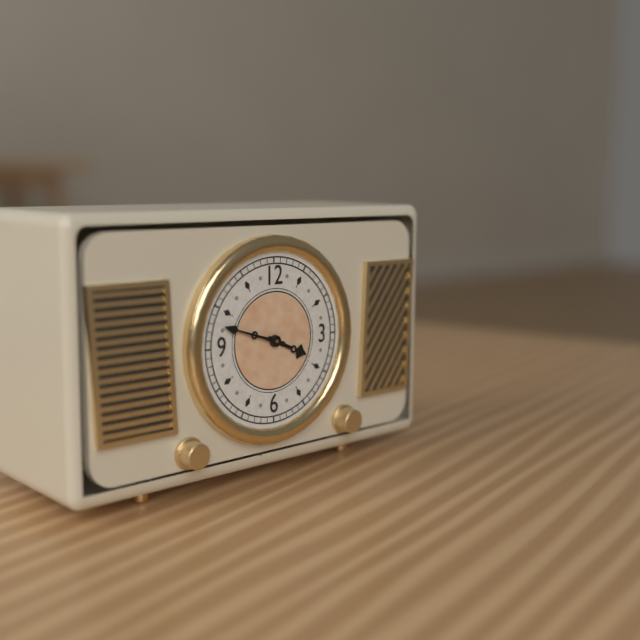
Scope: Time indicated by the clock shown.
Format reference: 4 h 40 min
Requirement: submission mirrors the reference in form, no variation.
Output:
3 h 48 min
